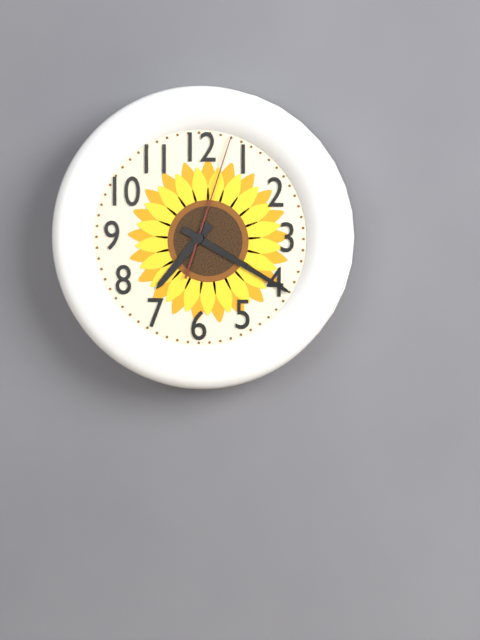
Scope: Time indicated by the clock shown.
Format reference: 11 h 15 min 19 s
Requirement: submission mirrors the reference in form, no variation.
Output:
7 h 20 min 03 s
